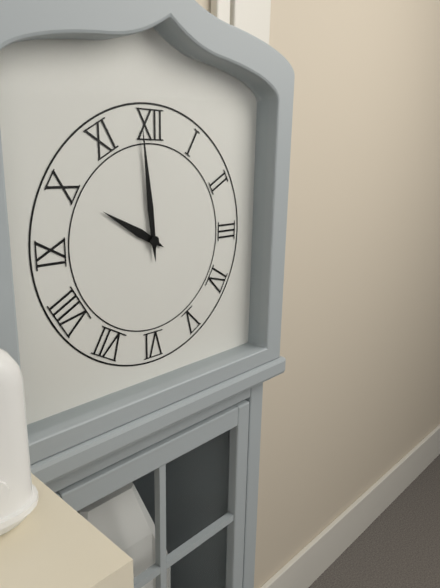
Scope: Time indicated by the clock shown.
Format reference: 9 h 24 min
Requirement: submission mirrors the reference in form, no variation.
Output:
9 h 59 min
